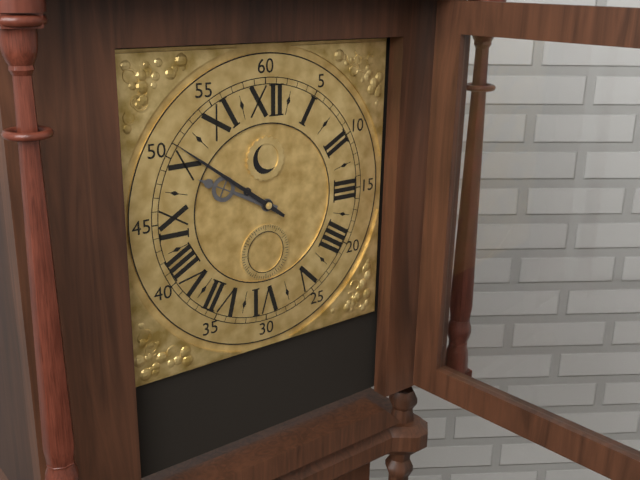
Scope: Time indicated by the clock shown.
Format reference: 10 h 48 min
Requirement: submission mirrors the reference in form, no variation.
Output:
9 h 51 min
